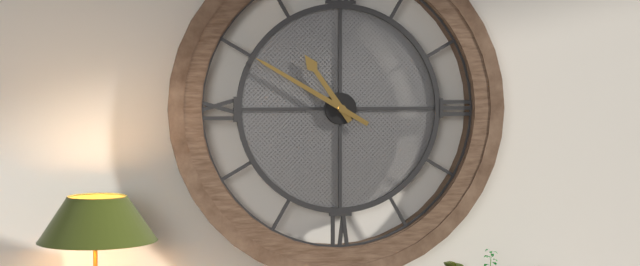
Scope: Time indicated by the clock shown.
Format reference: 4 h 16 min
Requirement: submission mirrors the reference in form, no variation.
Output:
10 h 50 min
